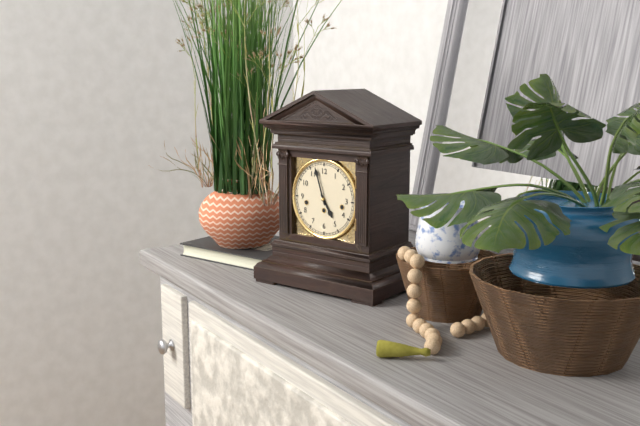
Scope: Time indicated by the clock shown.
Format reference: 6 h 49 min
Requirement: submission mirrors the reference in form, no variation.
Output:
4 h 57 min
